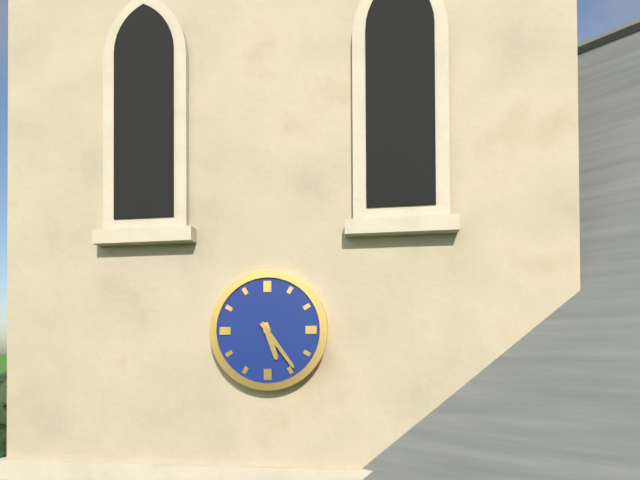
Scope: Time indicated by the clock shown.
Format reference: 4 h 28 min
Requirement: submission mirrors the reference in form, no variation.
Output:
5 h 24 min
